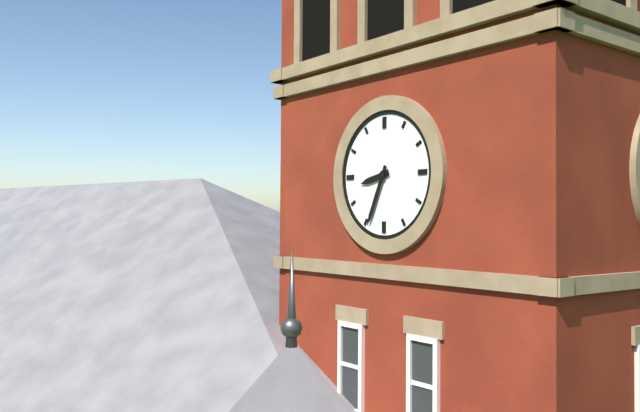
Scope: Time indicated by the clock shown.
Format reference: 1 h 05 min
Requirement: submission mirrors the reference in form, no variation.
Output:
8 h 34 min
